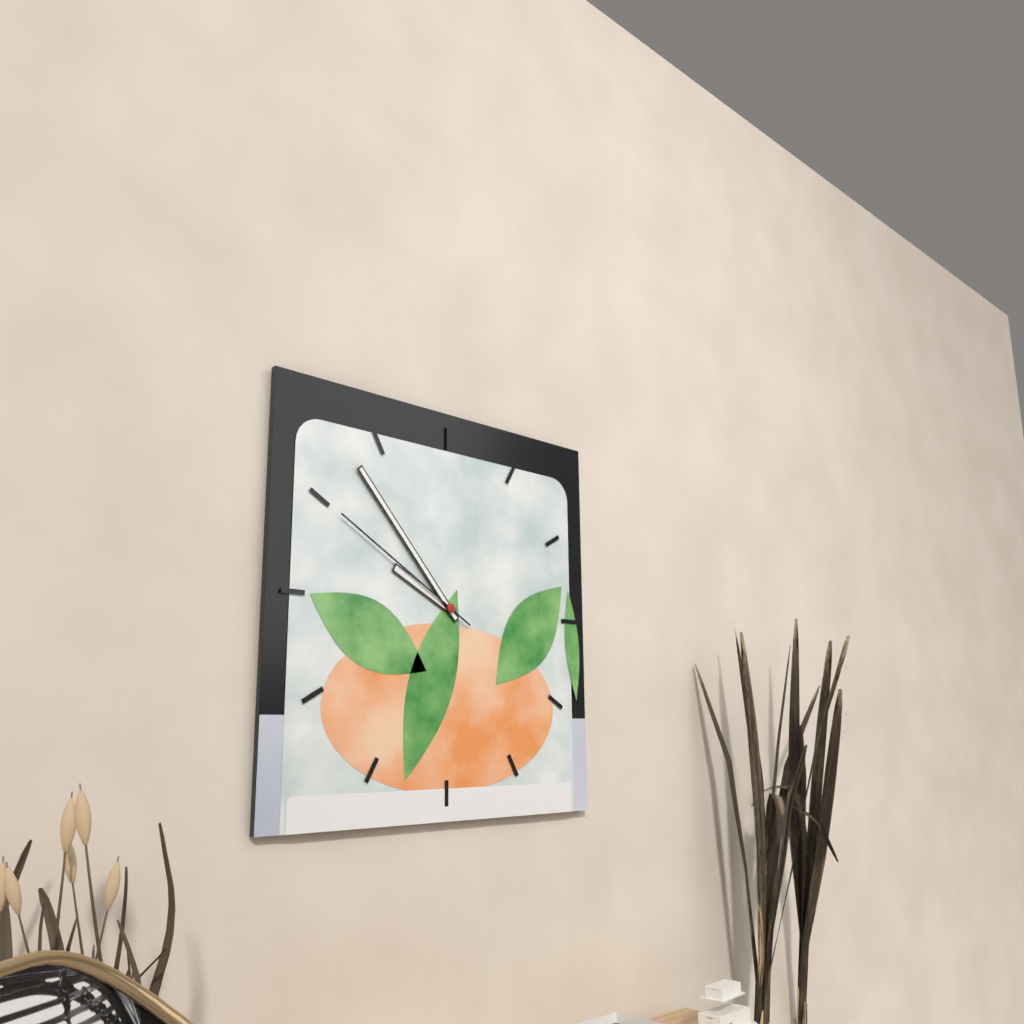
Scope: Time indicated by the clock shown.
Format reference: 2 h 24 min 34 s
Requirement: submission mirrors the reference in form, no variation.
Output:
9 h 53 min 50 s
